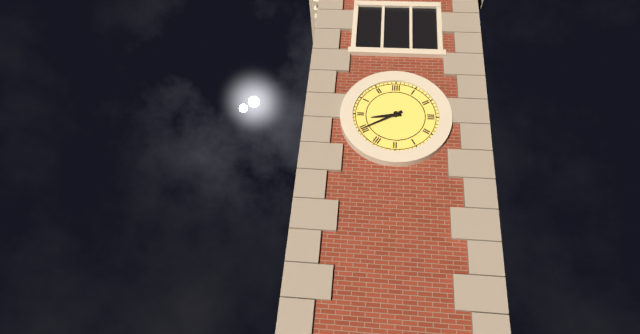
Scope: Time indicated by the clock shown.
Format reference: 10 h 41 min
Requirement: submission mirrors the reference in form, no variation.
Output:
8 h 40 min
